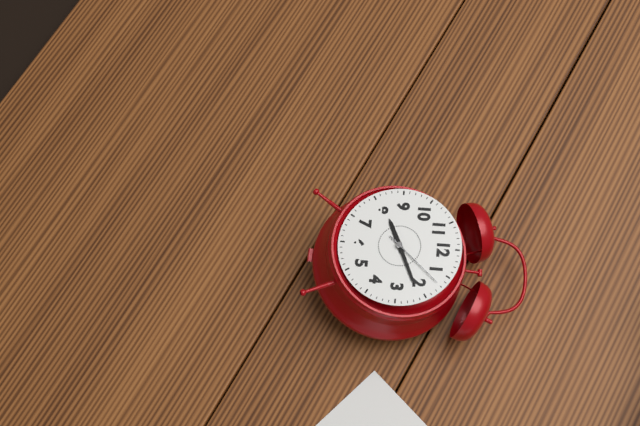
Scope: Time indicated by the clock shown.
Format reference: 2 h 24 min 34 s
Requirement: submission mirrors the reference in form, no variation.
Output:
8 h 11 min 07 s
